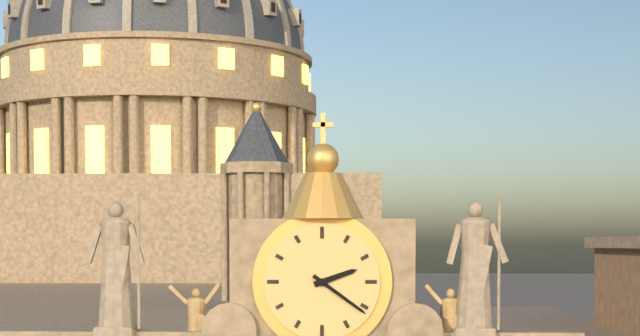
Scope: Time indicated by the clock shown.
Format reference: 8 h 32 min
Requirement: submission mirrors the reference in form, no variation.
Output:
2 h 21 min
